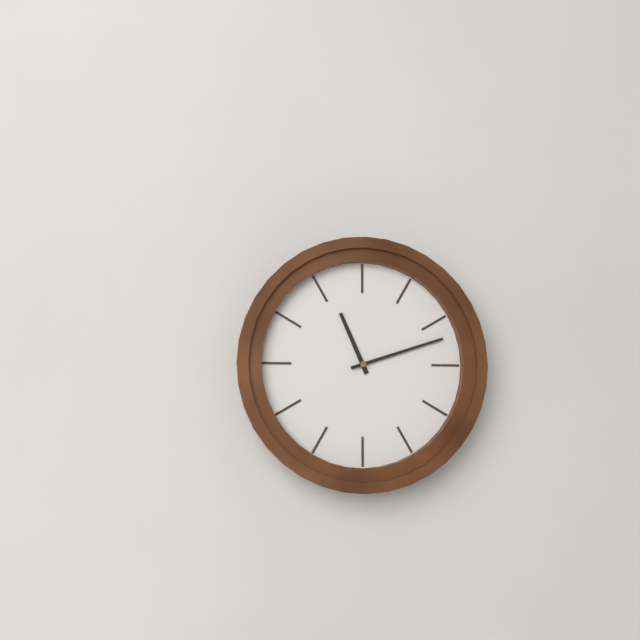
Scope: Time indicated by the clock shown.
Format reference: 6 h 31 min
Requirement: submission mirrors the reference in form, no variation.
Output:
11 h 12 min
